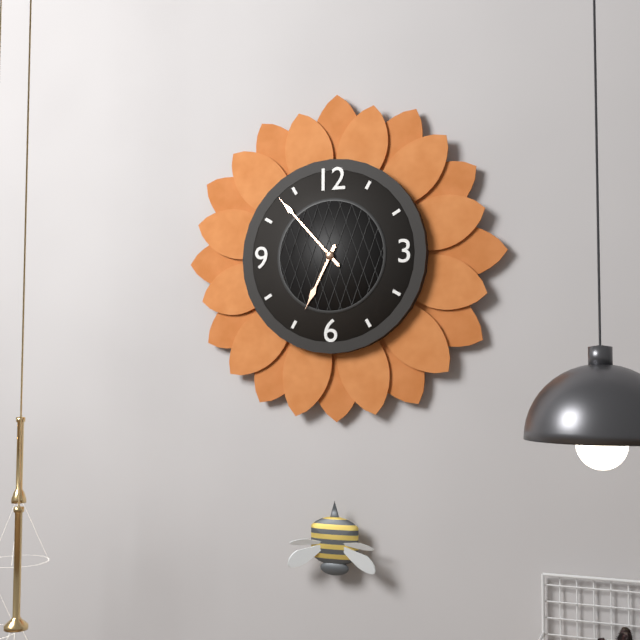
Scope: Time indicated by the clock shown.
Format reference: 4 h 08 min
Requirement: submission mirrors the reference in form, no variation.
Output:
6 h 53 min
